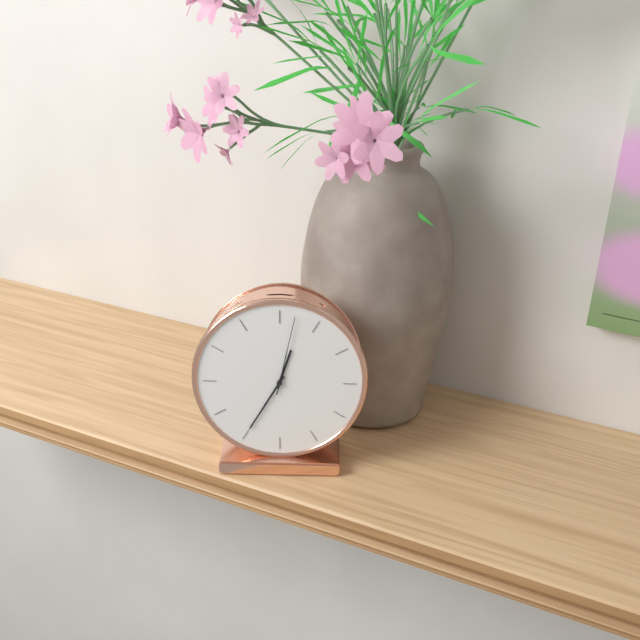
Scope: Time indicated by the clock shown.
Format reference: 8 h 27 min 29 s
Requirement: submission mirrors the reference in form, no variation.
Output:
12 h 35 min 02 s
